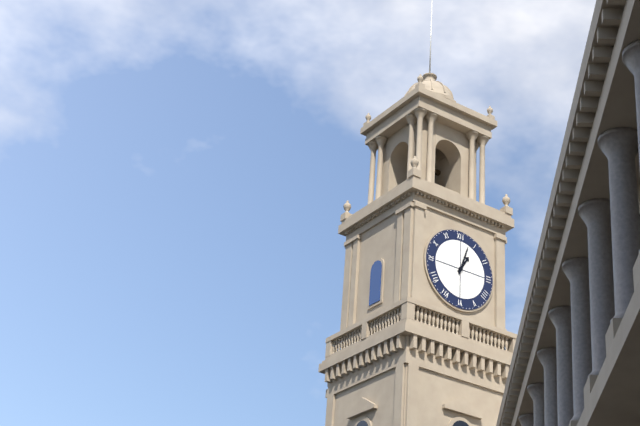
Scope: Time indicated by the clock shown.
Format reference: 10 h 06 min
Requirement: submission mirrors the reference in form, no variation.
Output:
1 h 03 min
